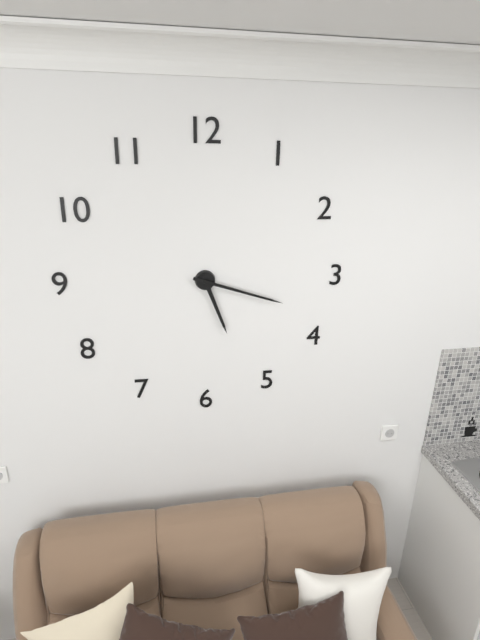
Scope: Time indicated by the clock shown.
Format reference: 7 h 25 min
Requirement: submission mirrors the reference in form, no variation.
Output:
5 h 18 min
